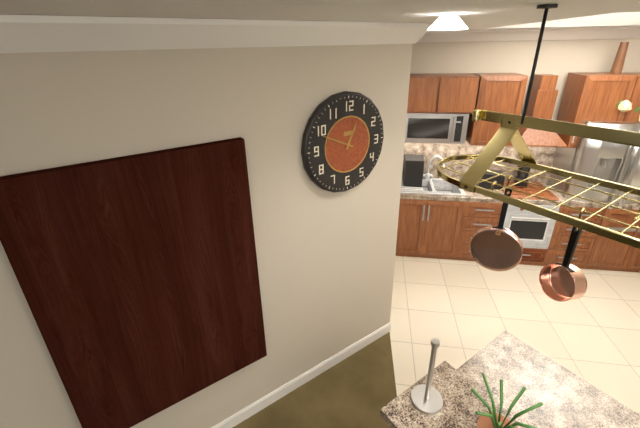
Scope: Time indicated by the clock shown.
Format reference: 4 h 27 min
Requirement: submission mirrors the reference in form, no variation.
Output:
12 h 49 min
